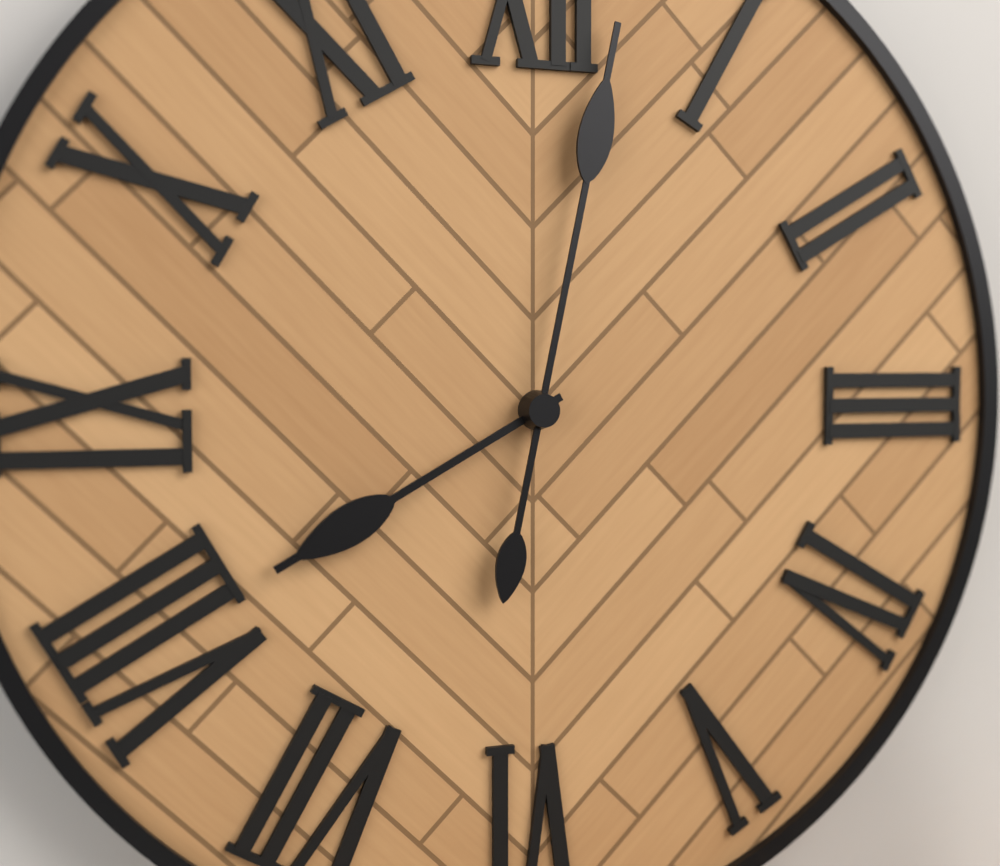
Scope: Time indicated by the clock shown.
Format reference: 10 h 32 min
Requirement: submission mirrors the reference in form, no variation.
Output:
8 h 02 min
